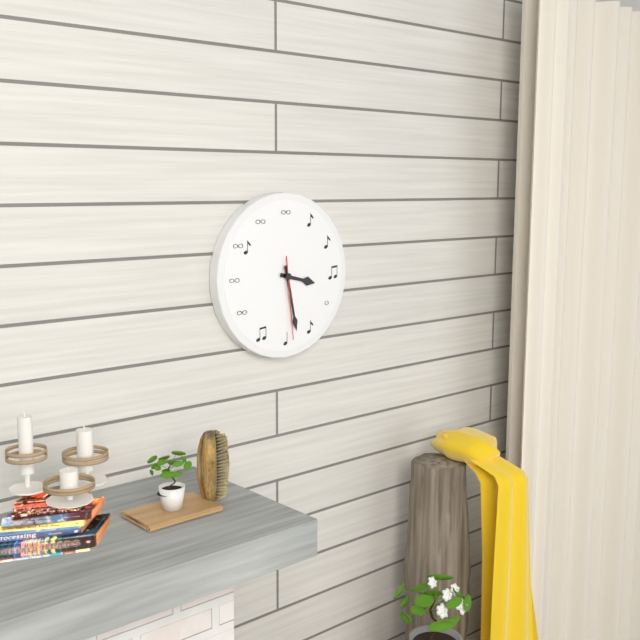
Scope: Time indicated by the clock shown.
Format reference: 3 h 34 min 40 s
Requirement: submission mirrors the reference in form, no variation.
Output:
3 h 28 min 29 s
